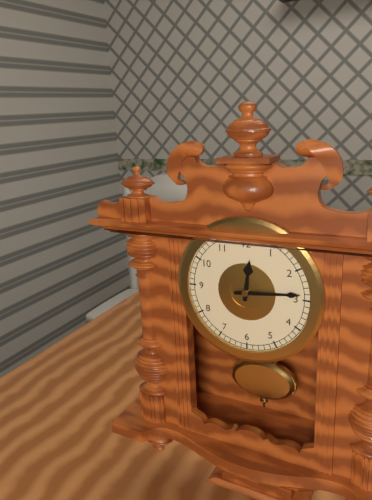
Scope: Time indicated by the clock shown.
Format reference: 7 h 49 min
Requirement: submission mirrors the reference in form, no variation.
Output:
12 h 14 min
